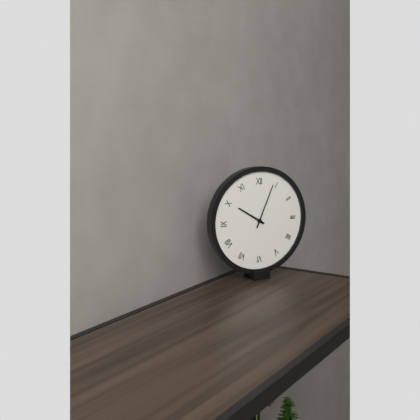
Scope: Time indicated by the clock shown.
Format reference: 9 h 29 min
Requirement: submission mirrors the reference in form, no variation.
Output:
10 h 04 min
